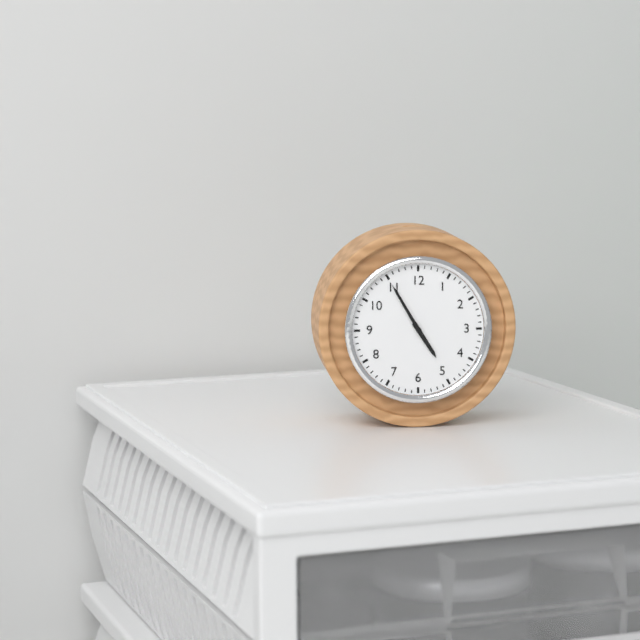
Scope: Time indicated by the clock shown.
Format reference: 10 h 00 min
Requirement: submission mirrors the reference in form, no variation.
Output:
4 h 55 min
